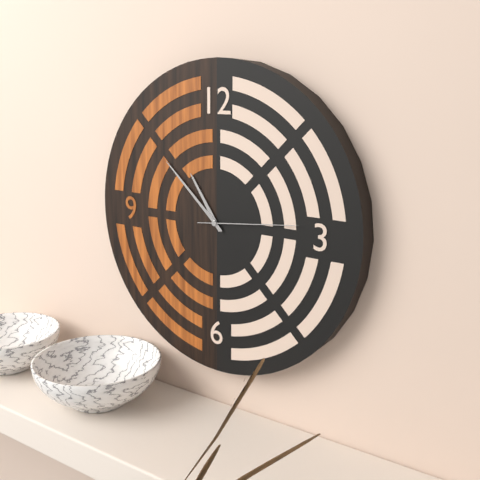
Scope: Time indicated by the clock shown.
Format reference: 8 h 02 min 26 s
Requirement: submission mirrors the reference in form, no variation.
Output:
10 h 52 min 14 s
